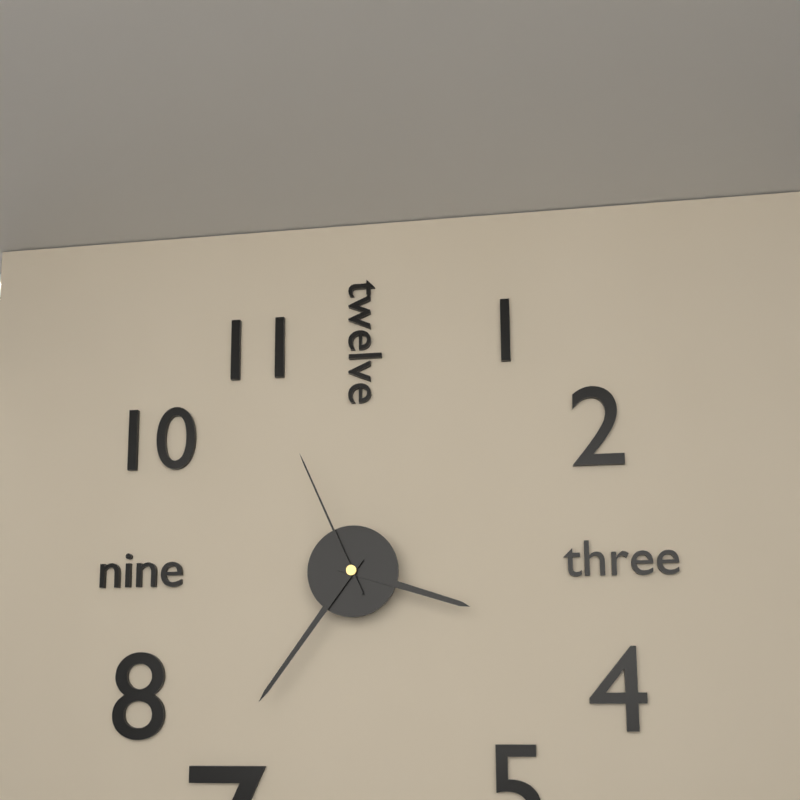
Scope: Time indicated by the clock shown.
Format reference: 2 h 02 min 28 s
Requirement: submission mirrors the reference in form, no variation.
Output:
3 h 36 min 56 s
